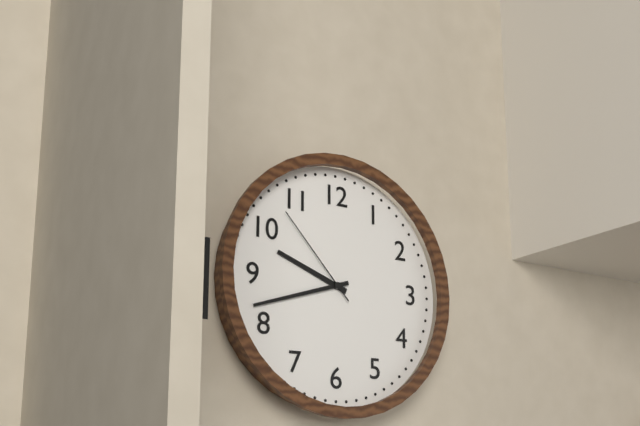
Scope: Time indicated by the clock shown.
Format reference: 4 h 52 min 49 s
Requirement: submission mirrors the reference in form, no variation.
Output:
9 h 42 min 53 s
